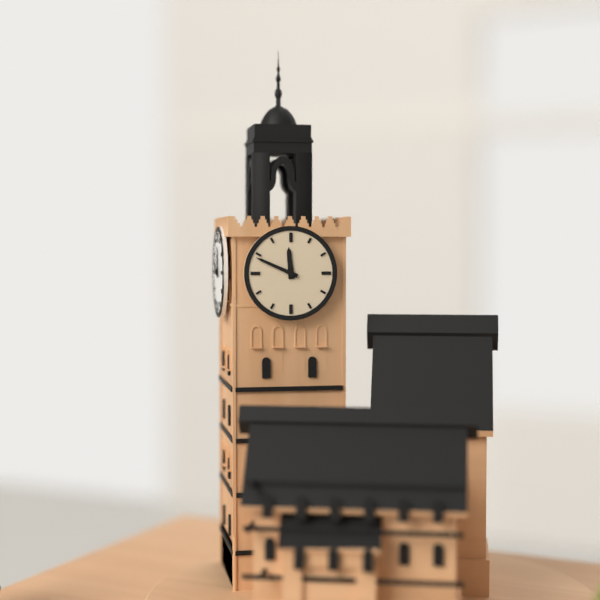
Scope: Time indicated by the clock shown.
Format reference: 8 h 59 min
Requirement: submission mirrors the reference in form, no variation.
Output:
11 h 49 min
